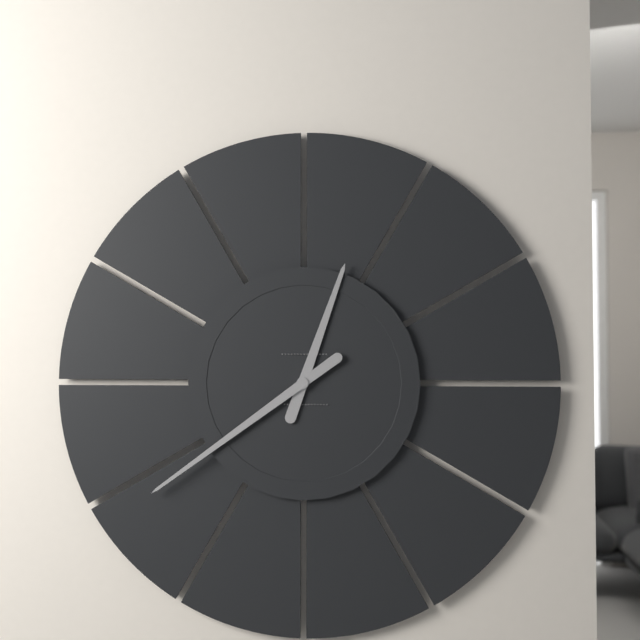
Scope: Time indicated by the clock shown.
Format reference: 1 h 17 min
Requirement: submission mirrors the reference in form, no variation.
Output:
12 h 39 min
